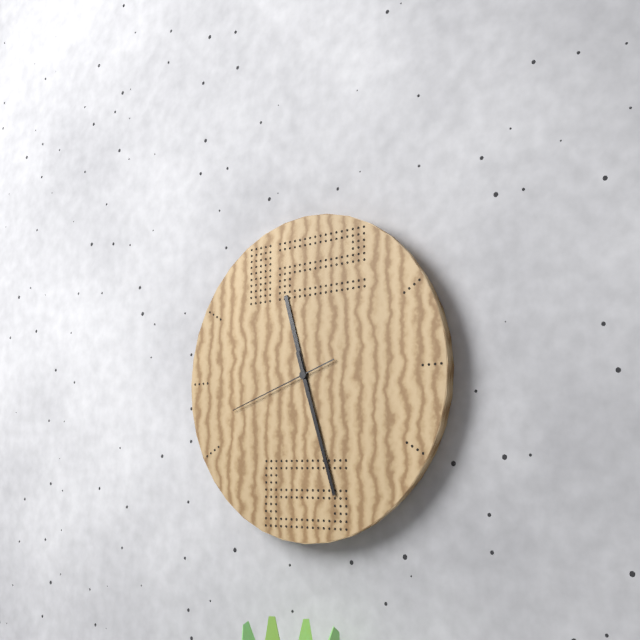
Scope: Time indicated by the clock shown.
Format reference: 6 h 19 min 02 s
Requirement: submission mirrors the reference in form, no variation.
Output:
11 h 27 min 42 s
